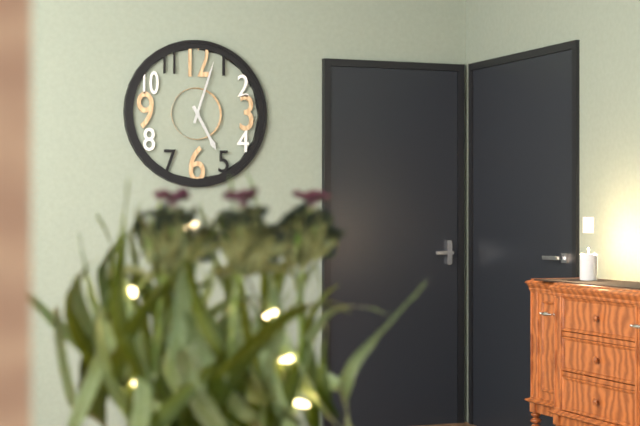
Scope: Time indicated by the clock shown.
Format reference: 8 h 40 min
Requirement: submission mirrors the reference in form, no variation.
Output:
5 h 03 min
